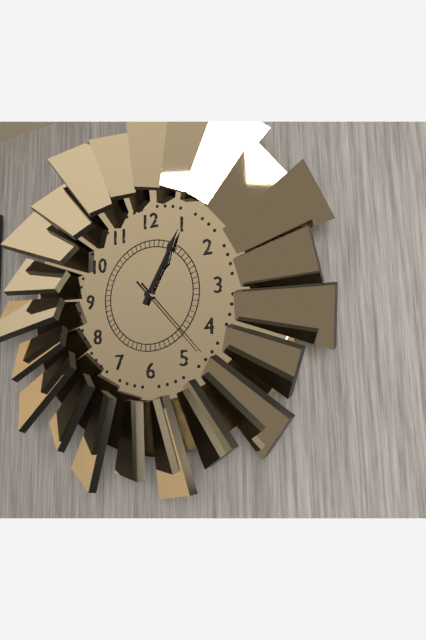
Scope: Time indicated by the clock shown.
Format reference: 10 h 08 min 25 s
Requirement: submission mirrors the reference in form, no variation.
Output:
1 h 05 min 23 s
